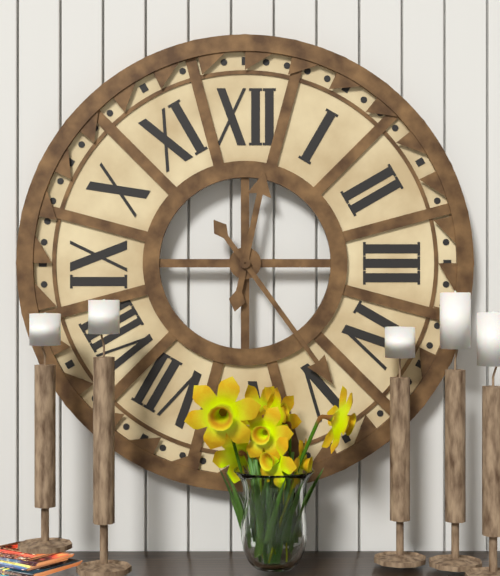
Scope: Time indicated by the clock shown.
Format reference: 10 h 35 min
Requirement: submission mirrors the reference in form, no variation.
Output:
12 h 24 min
